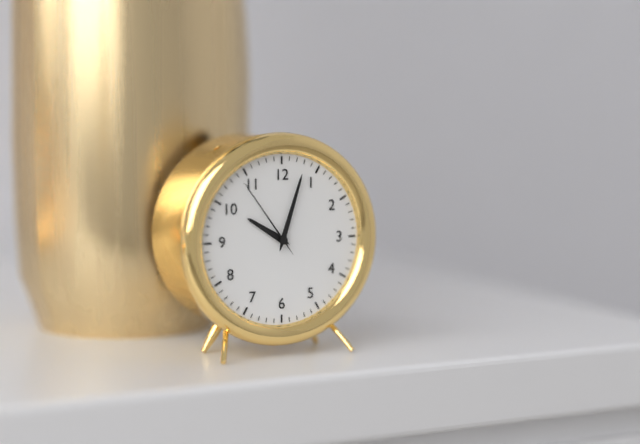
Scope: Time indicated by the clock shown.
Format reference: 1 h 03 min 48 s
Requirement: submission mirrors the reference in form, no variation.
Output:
10 h 03 min 54 s
